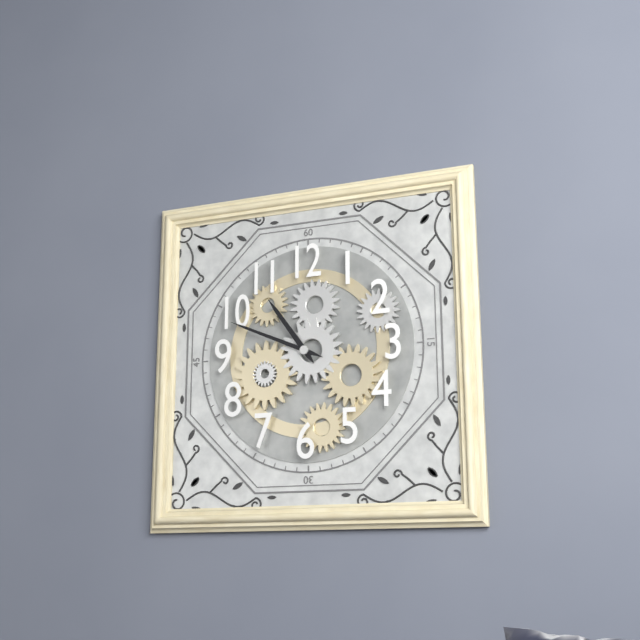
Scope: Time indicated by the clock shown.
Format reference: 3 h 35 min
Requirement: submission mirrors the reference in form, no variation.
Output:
10 h 49 min
